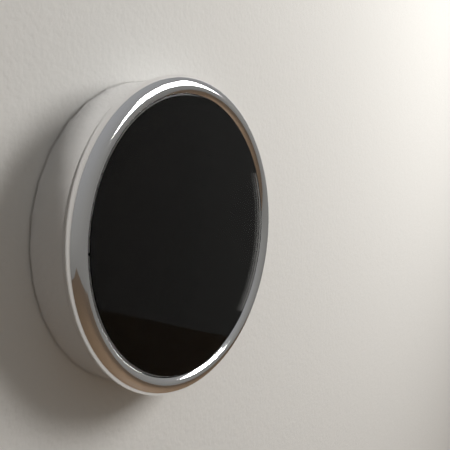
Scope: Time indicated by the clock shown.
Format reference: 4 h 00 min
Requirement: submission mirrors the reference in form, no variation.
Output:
3 h 02 min
